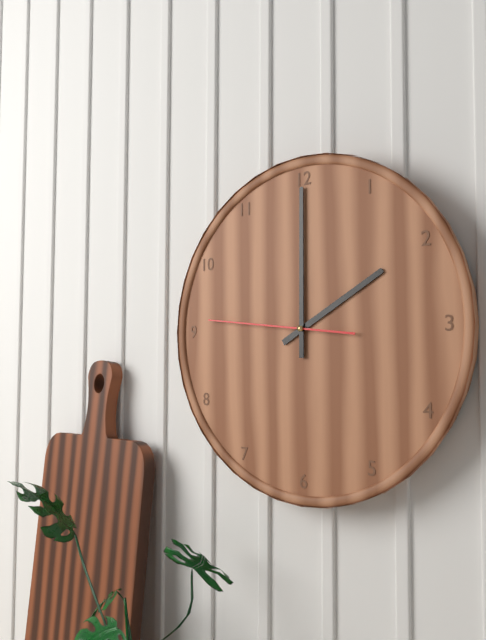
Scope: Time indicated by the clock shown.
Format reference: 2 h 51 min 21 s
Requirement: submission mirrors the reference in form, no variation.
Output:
2 h 00 min 46 s
